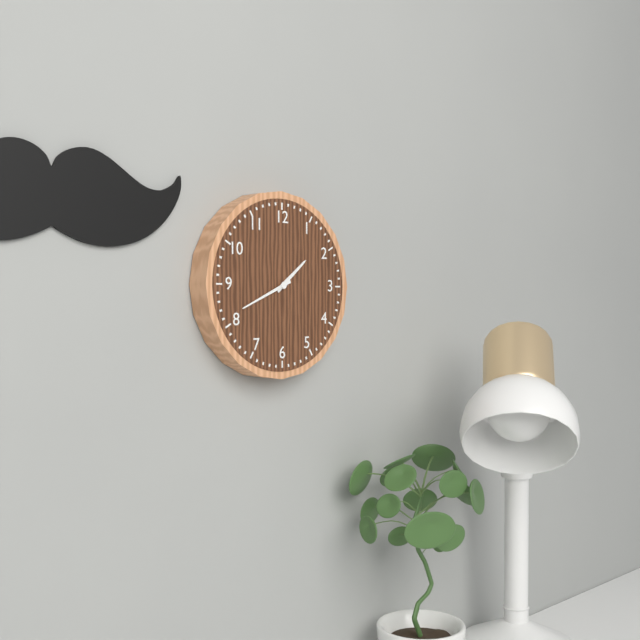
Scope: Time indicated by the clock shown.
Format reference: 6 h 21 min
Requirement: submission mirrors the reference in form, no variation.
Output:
1 h 41 min
